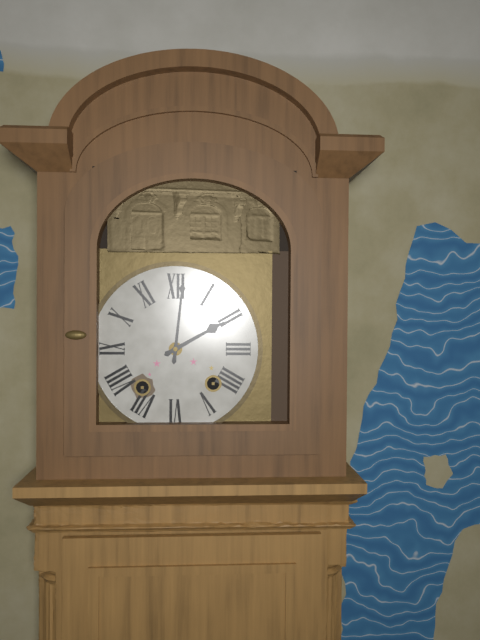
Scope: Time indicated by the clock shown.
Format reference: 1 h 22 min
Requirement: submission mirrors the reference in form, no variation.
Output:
2 h 01 min
